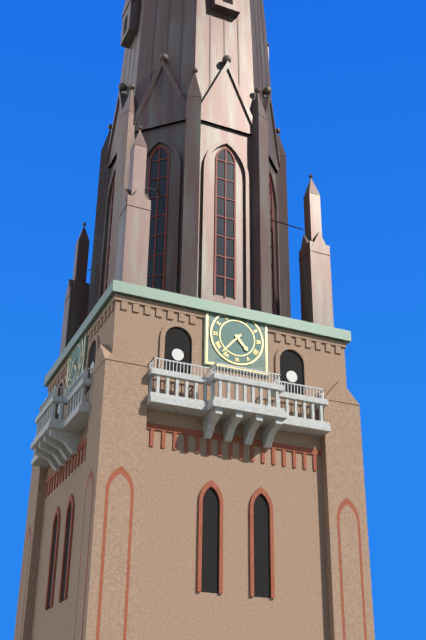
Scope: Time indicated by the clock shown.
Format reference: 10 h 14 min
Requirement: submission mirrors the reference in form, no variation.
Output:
4 h 37 min
